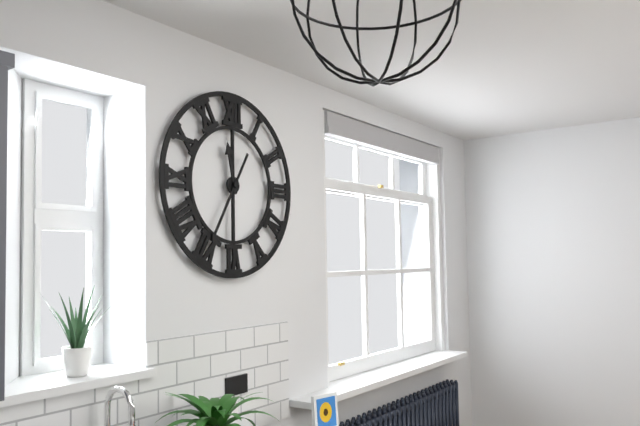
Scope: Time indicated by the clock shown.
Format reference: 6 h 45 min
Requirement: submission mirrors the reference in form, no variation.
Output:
11 h 35 min
